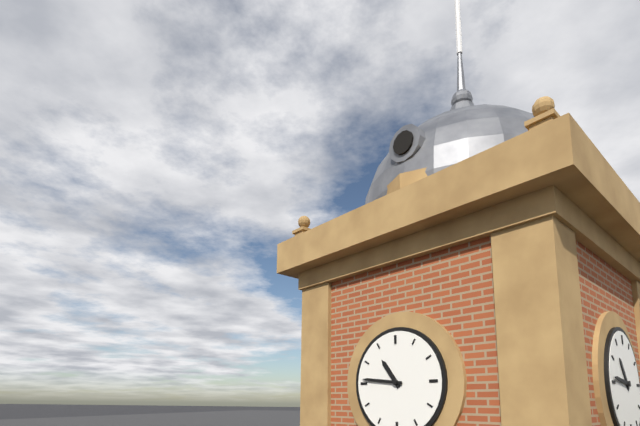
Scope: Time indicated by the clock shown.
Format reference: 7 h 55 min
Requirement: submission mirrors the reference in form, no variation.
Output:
10 h 46 min
